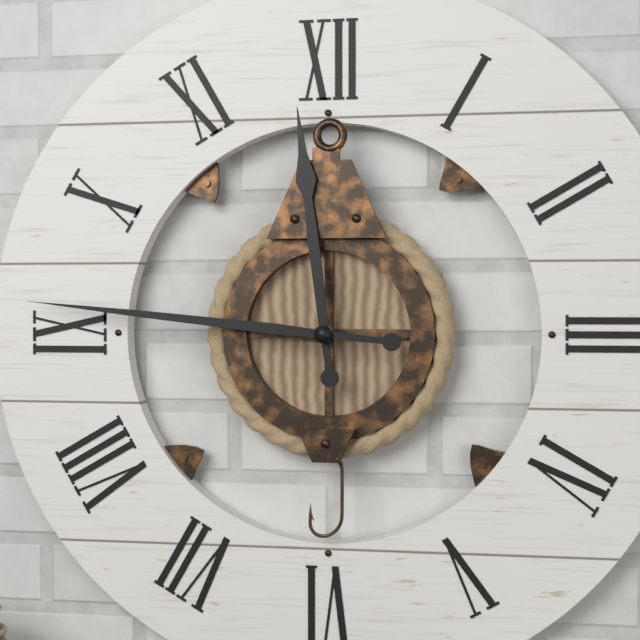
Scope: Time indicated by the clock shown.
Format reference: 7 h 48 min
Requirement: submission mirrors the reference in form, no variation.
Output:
11 h 46 min
